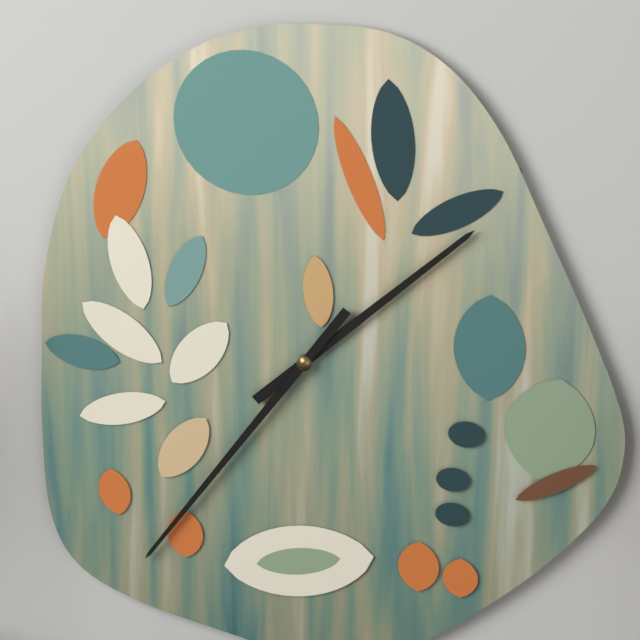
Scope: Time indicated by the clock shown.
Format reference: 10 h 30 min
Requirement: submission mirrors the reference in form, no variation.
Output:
1 h 36 min
